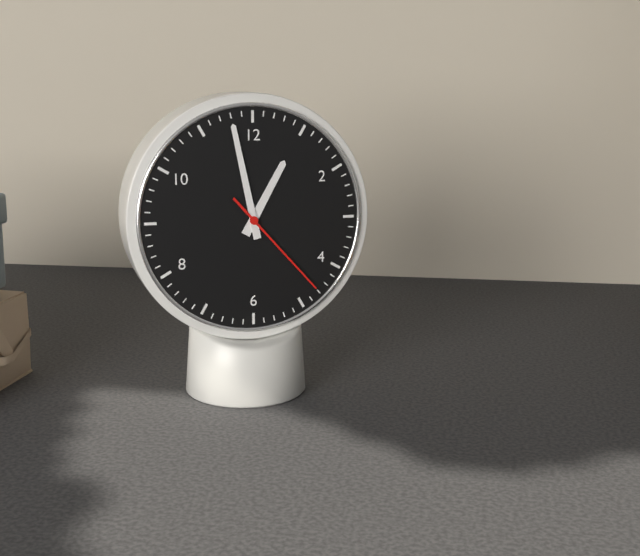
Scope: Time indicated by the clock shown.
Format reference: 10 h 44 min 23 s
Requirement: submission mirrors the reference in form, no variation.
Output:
12 h 58 min 23 s
